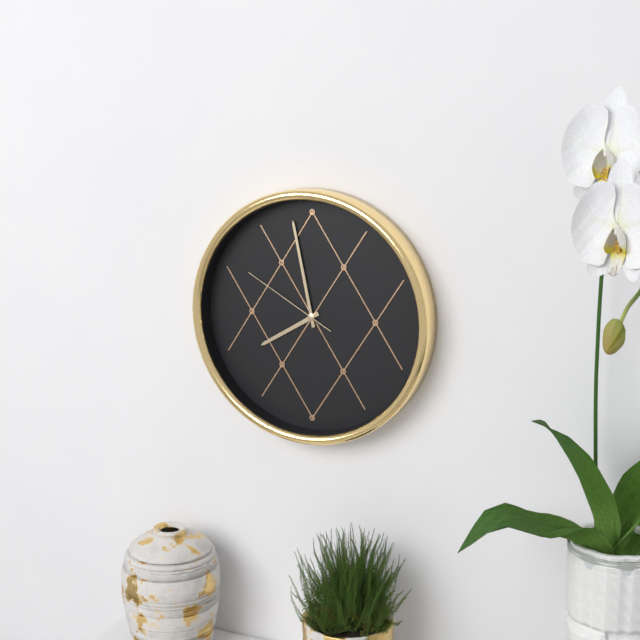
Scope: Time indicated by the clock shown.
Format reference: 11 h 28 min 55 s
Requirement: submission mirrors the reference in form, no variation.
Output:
7 h 58 min 50 s
